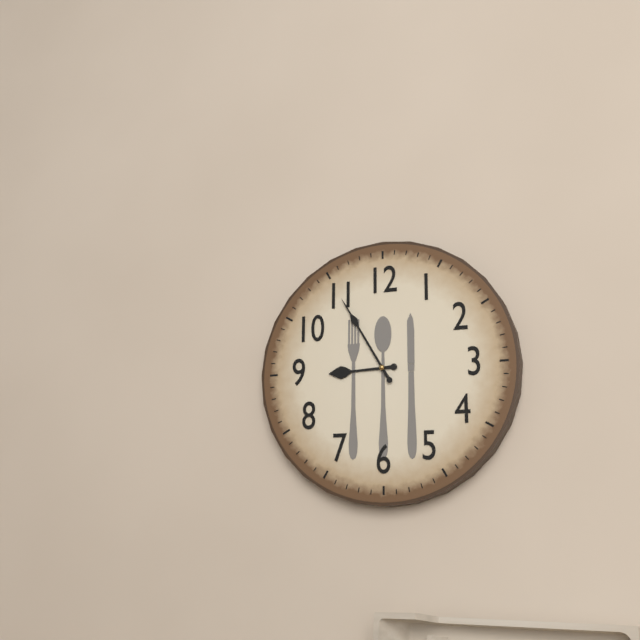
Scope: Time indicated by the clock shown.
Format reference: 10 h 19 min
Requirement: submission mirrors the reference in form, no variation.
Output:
8 h 55 min
